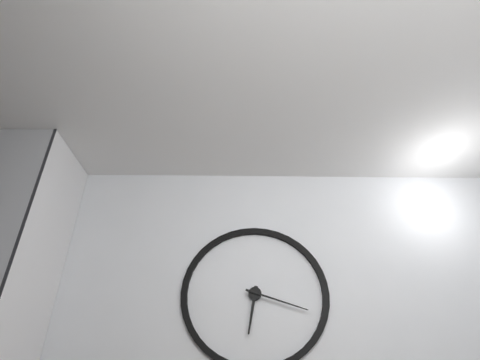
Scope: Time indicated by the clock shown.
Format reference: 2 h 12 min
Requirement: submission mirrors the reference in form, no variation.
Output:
6 h 18 min
